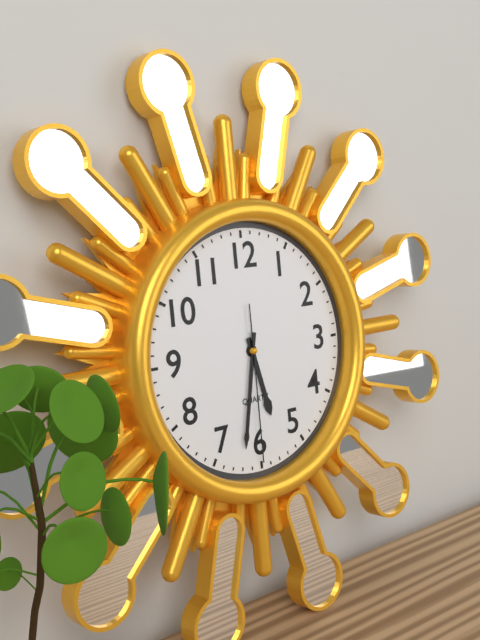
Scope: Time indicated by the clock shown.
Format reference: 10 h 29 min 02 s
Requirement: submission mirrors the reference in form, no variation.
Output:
5 h 32 min 30 s
